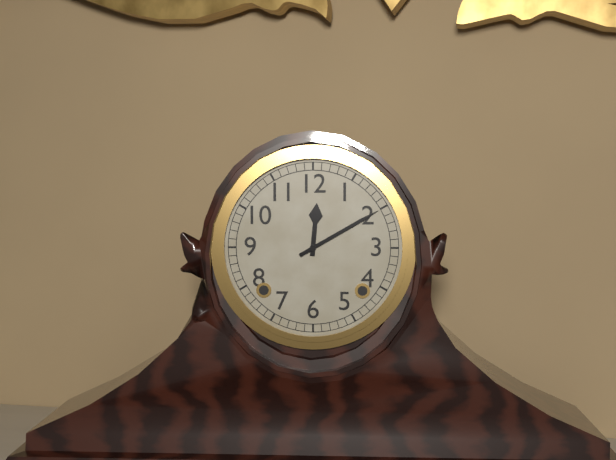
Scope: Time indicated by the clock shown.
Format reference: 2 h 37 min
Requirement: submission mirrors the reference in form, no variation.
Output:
12 h 10 min
